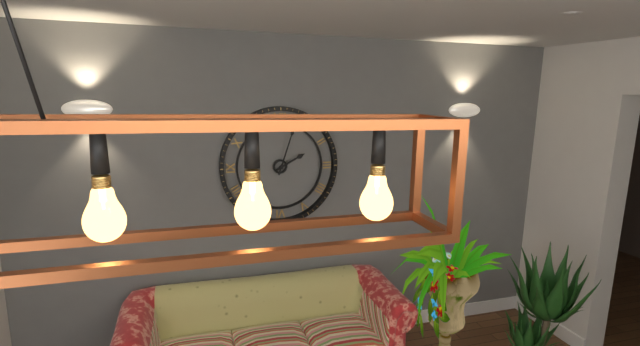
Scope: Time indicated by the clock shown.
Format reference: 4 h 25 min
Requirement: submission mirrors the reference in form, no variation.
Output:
2 h 03 min
